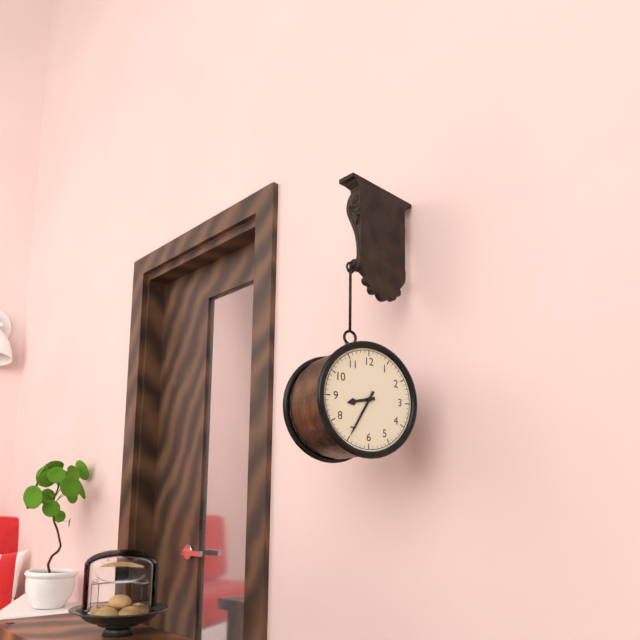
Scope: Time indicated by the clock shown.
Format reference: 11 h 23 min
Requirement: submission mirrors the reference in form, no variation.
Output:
8 h 35 min
